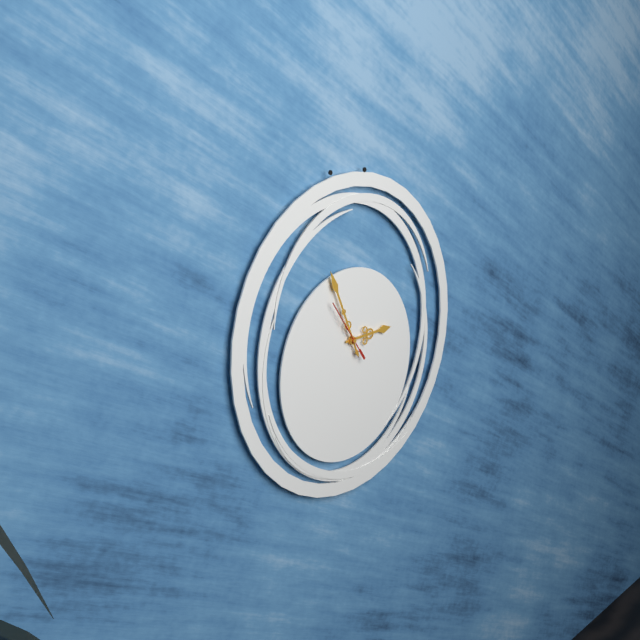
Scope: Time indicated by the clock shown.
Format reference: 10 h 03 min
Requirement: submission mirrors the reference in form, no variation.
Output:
2 h 56 min
